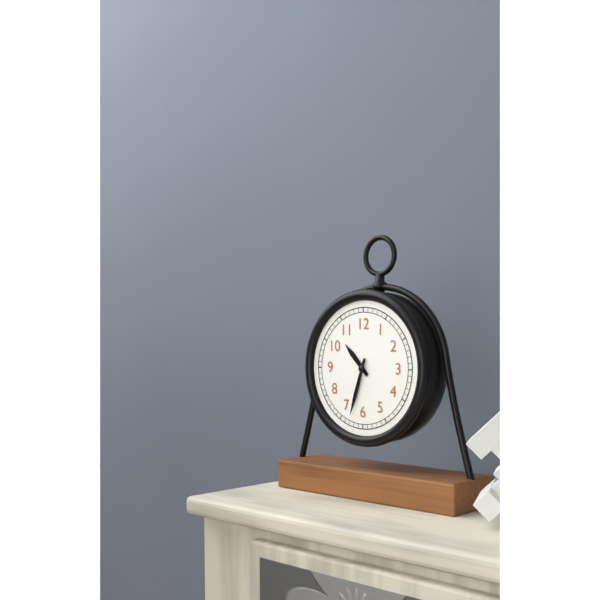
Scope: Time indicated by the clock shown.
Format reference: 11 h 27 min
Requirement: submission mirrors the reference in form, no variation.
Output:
10 h 33 min
